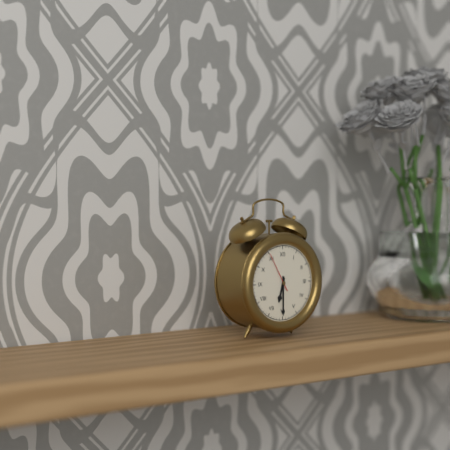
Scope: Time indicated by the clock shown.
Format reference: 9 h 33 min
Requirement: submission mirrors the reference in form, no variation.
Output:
6 h 30 min
